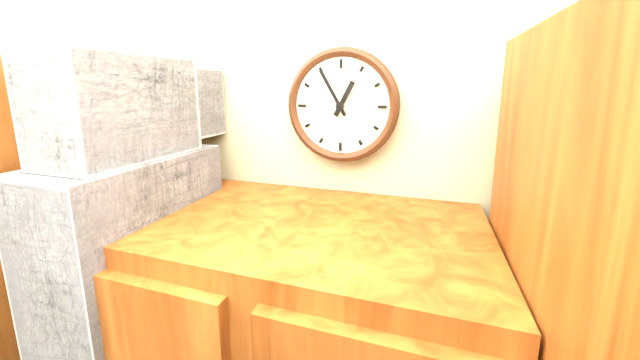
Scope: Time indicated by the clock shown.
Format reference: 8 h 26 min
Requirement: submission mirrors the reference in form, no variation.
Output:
12 h 55 min
